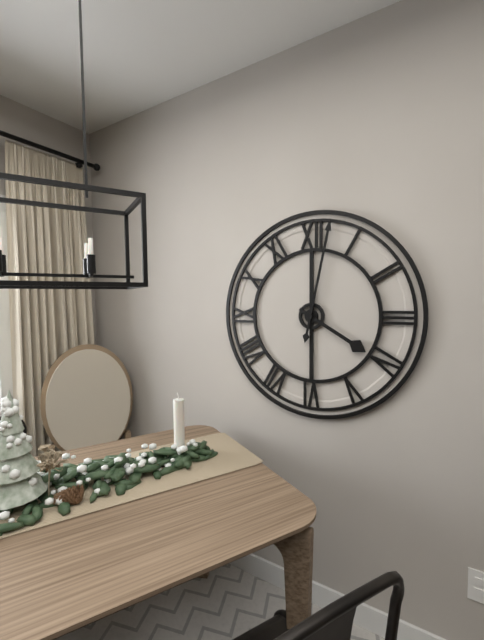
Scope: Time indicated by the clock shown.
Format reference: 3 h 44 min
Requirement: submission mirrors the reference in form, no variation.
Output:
4 h 02 min
